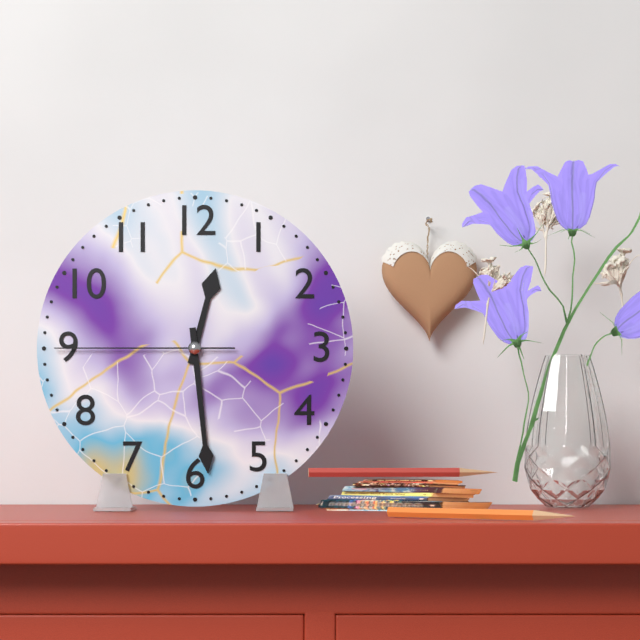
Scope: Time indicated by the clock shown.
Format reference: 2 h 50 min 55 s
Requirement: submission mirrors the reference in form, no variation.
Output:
12 h 29 min 45 s
